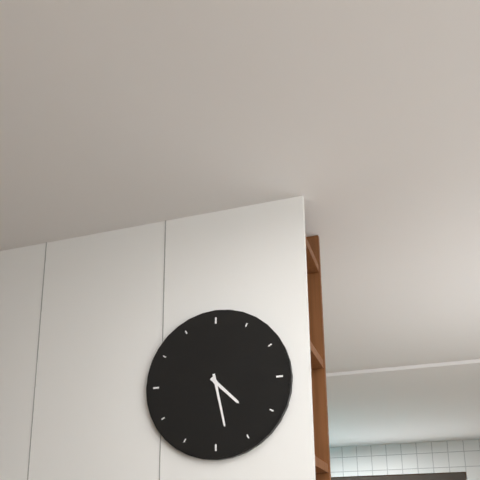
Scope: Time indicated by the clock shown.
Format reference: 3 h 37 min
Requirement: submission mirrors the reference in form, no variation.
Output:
4 h 28 min
